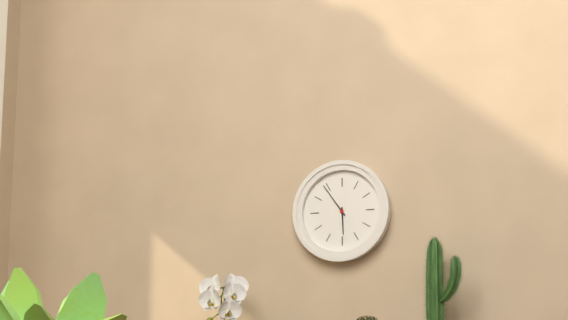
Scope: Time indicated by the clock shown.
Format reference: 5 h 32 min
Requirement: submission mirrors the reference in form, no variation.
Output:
5 h 54 min
